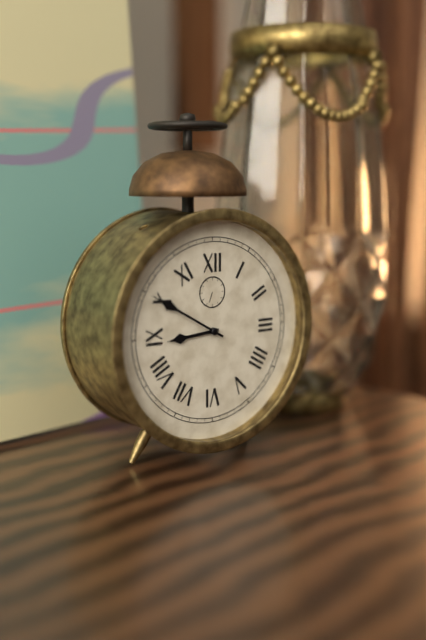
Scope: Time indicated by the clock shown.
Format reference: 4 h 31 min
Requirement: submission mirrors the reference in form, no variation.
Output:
8 h 50 min
